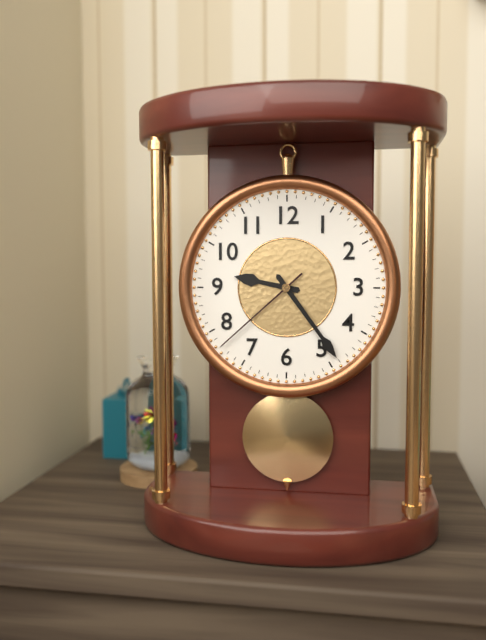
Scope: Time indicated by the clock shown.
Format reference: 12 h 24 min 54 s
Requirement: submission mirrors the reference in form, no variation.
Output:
9 h 24 min 38 s
